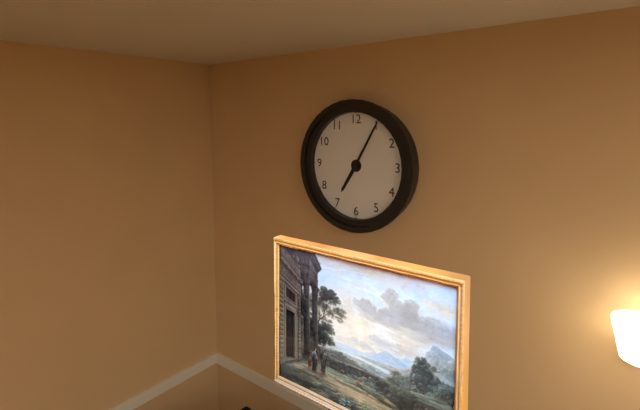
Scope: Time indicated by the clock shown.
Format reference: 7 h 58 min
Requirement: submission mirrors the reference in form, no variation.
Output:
7 h 05 min
